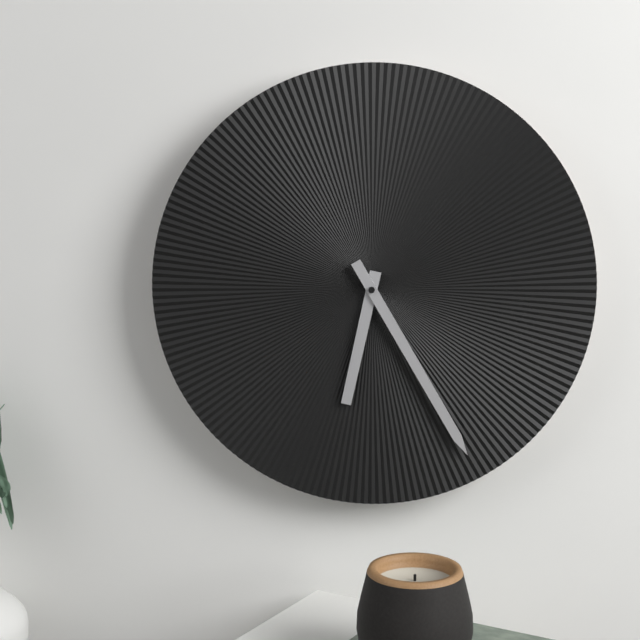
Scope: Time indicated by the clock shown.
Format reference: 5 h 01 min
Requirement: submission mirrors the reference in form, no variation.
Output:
6 h 25 min
